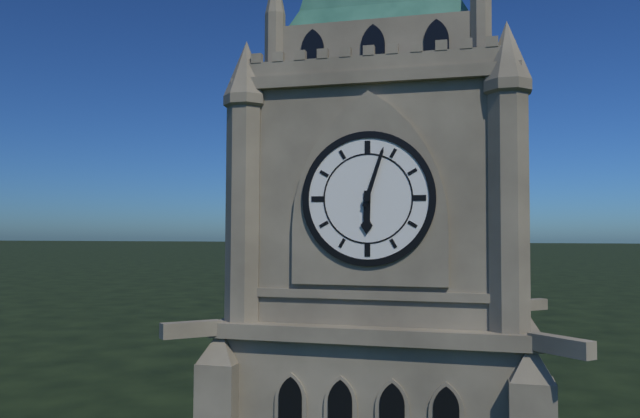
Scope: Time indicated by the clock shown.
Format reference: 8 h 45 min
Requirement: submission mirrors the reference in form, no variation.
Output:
6 h 03 min
